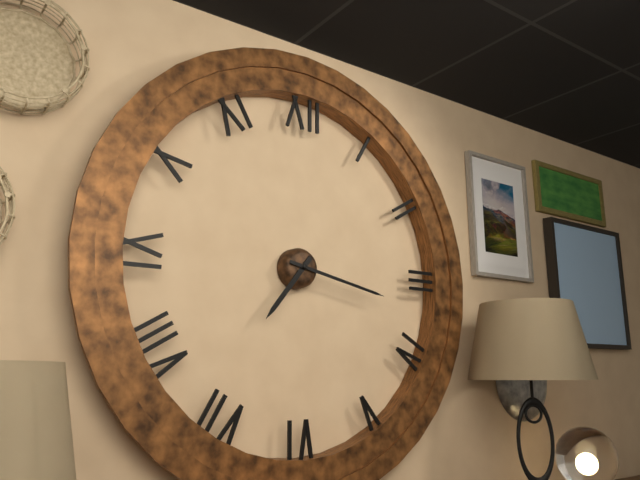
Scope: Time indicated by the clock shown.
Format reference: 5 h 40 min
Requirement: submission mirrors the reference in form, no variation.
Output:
7 h 17 min
